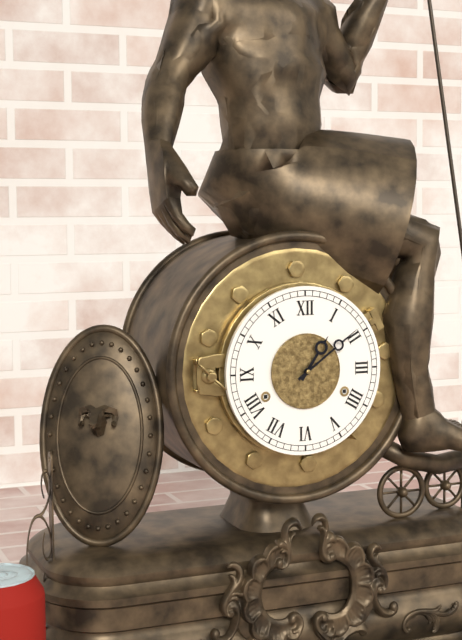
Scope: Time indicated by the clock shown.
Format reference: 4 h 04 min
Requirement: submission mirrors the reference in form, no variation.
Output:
1 h 09 min
